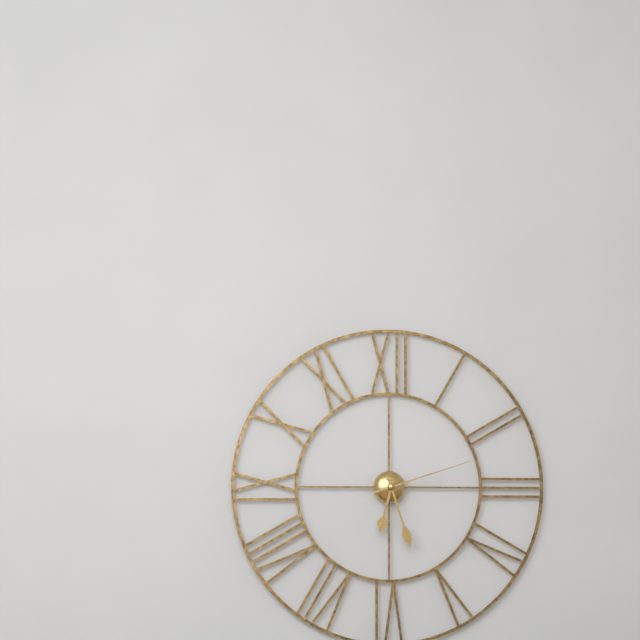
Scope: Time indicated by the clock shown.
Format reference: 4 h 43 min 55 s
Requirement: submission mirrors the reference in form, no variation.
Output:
6 h 27 min 12 s
